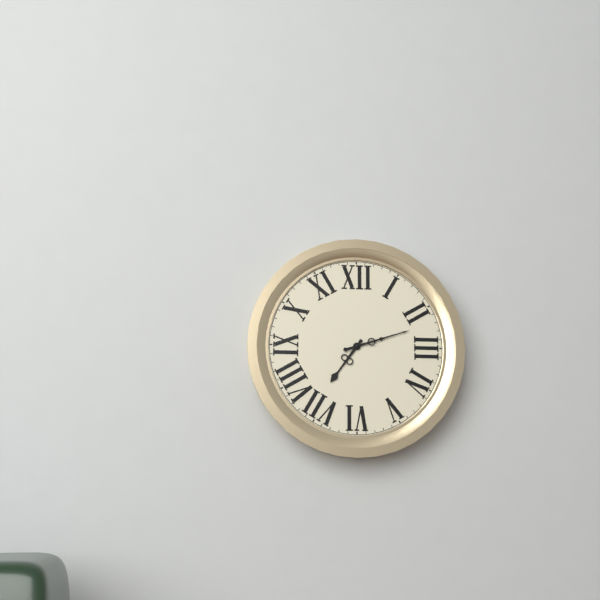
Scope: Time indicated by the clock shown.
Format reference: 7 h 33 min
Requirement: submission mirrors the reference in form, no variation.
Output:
7 h 12 min
